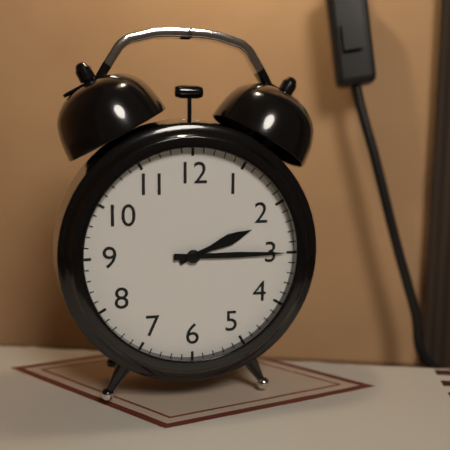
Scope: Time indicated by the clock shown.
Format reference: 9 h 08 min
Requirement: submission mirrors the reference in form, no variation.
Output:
2 h 15 min
